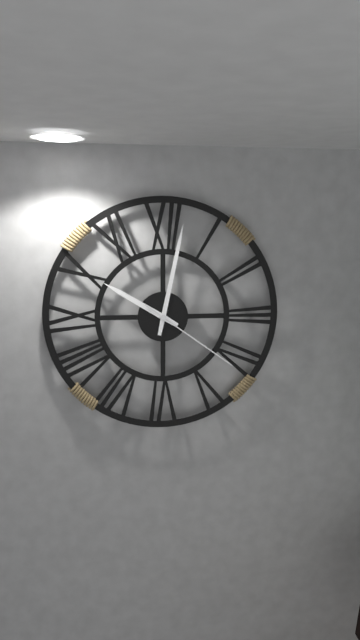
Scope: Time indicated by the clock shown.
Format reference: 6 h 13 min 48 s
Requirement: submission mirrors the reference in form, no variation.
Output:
10 h 02 min 21 s
